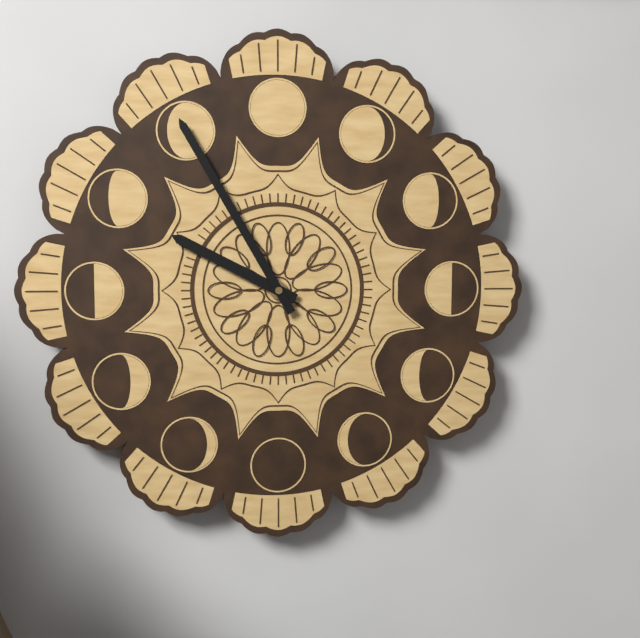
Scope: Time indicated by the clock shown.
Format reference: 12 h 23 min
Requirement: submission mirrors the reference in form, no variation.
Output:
9 h 55 min
